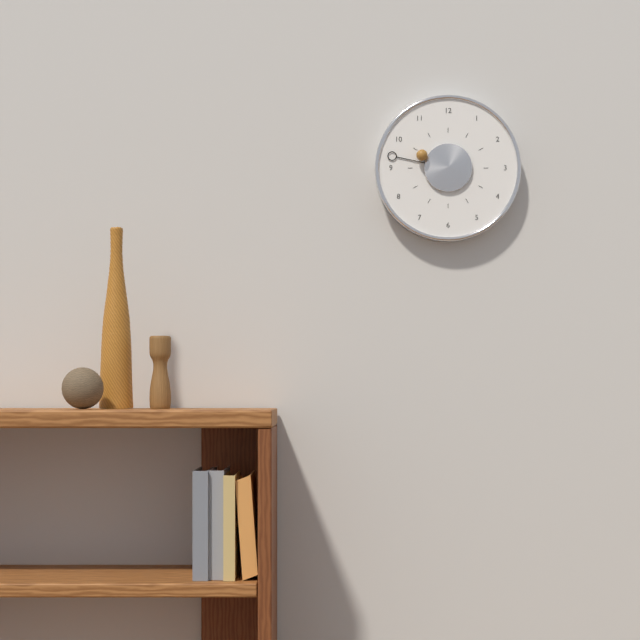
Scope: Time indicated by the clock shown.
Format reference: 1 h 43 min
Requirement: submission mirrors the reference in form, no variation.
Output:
9 h 47 min
